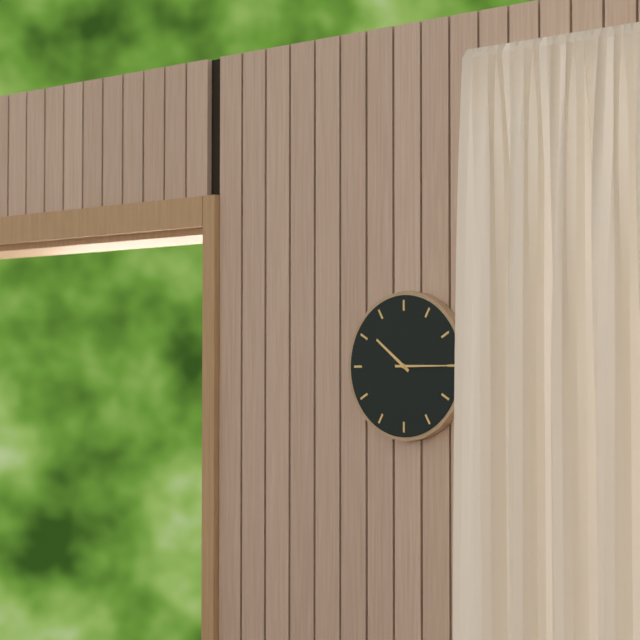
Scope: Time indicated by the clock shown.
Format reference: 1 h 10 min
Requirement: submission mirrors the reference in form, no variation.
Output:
10 h 15 min
